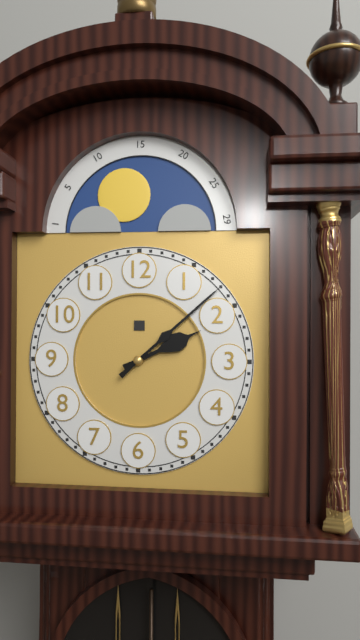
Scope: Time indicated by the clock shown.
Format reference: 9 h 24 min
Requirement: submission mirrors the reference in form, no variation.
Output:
2 h 08 min
